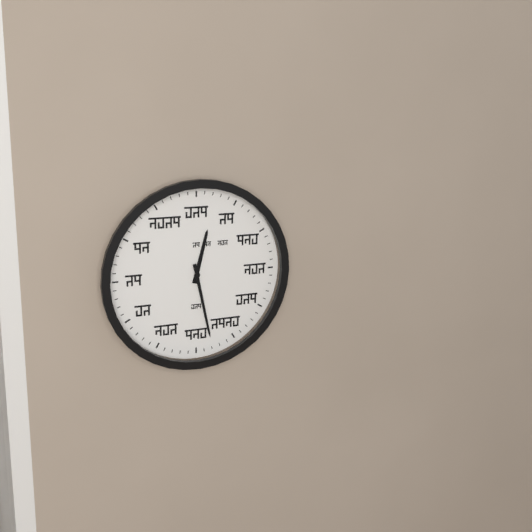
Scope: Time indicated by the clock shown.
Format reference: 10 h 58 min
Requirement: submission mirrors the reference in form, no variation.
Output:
12 h 28 min
